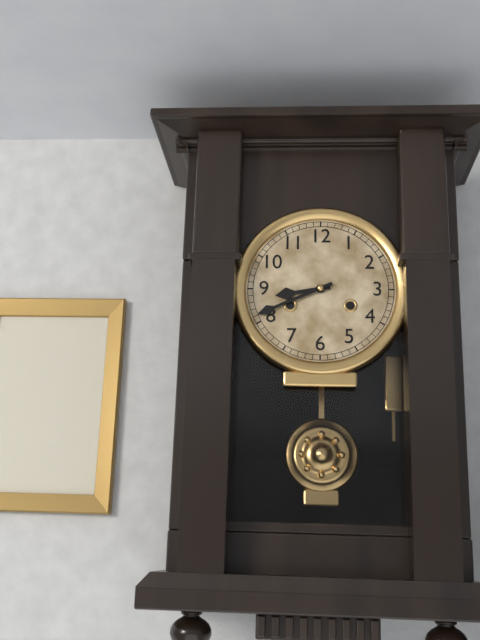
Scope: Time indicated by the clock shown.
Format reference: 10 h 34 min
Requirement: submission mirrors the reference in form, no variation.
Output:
8 h 41 min
